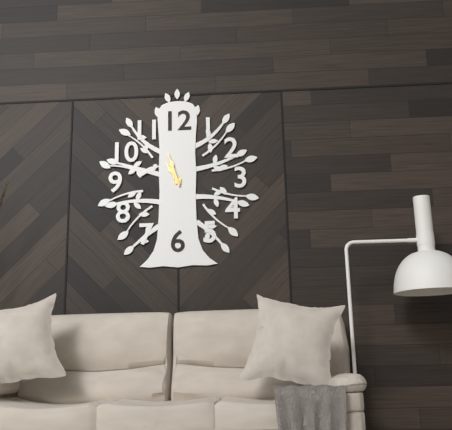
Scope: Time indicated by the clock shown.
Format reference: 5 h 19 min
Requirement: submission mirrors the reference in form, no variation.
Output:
10 h 57 min
